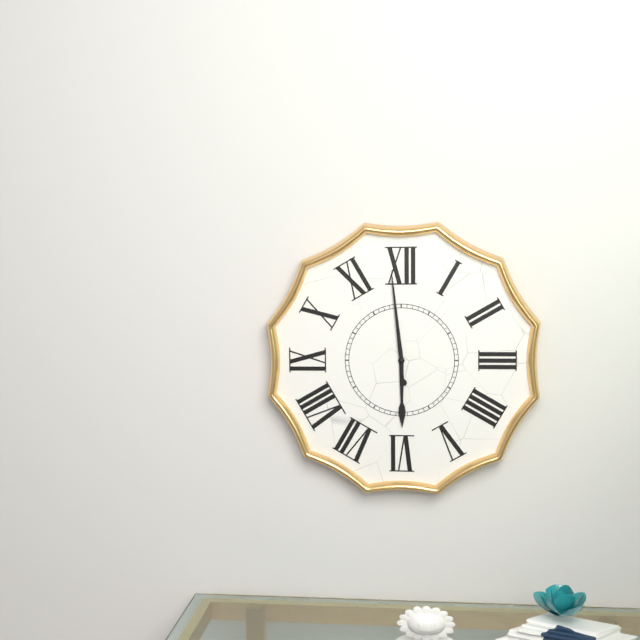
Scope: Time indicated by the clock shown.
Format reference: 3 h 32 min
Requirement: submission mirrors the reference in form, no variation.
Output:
5 h 59 min
